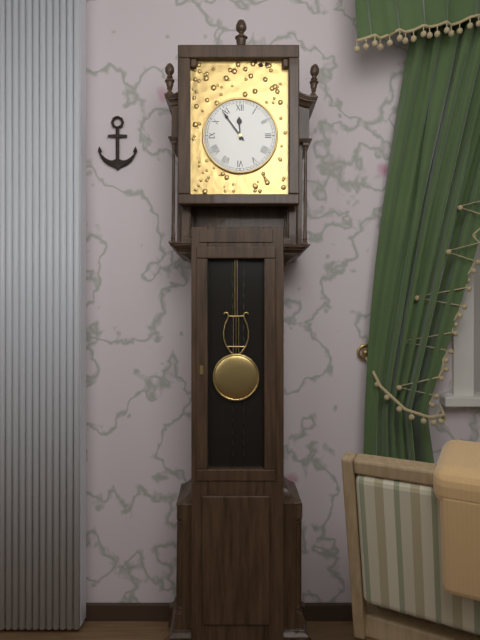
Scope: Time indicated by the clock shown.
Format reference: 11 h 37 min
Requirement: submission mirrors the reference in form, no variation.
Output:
11 h 54 min
